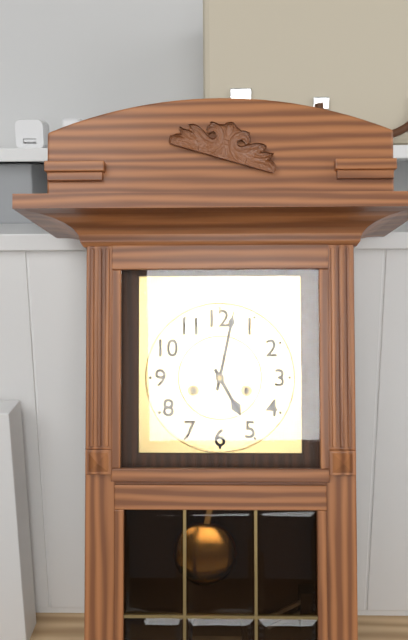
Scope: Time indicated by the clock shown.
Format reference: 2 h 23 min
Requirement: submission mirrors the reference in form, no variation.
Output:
5 h 02 min
